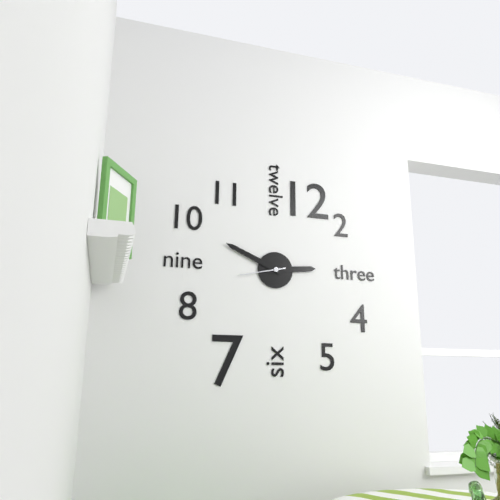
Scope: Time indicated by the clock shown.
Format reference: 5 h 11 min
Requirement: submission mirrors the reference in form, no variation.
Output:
2 h 49 min
